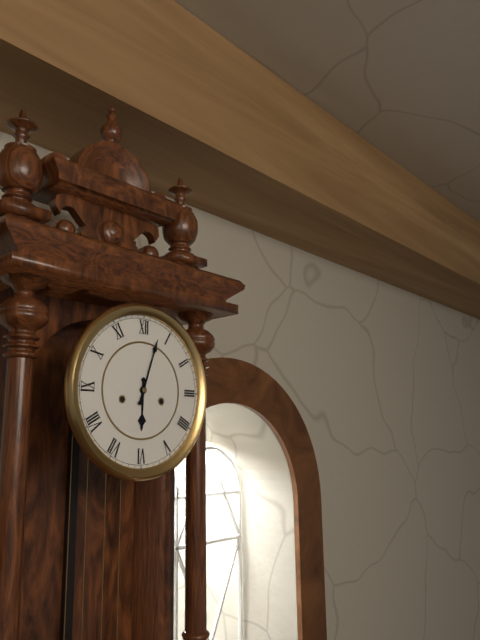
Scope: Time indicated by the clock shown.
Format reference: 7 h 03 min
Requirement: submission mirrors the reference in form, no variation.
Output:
6 h 03 min
